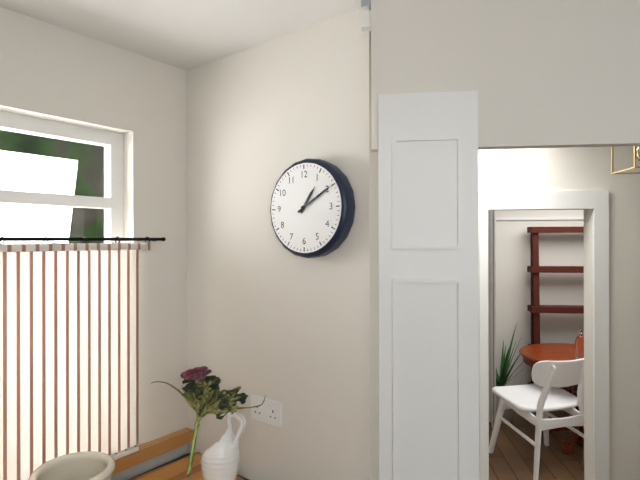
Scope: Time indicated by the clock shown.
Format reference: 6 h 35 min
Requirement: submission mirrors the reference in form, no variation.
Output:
1 h 10 min
